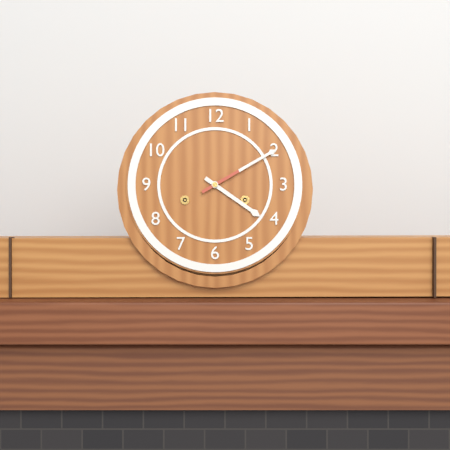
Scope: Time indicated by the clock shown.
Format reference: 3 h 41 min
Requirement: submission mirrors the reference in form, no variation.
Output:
4 h 10 min
